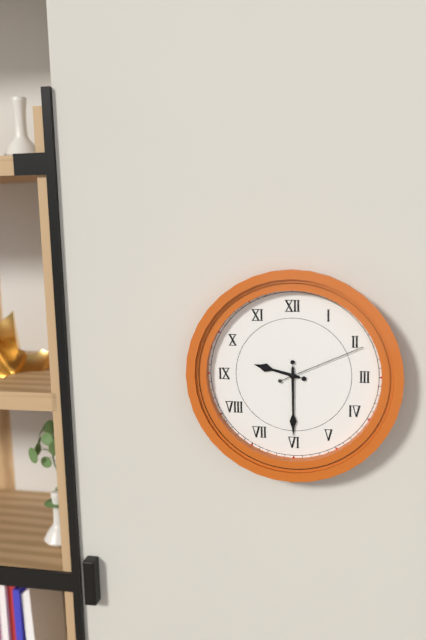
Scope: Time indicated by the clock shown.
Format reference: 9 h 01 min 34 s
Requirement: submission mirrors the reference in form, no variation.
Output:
9 h 30 min 11 s
